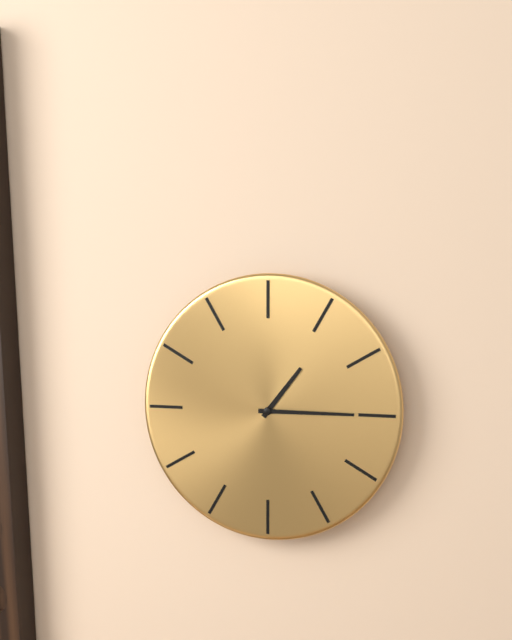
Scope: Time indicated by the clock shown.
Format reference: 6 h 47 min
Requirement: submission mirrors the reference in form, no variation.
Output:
1 h 15 min
